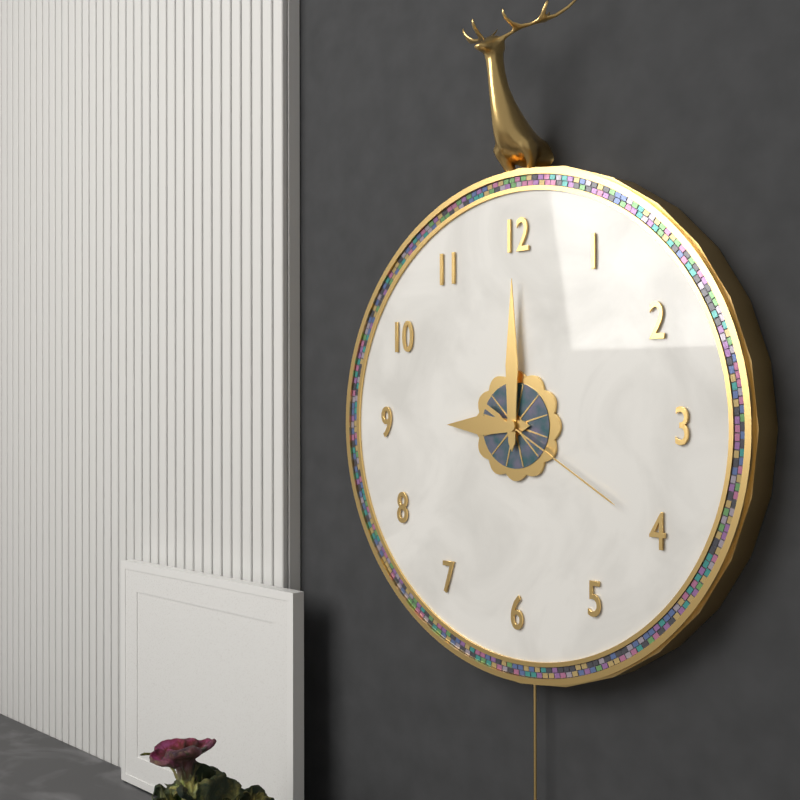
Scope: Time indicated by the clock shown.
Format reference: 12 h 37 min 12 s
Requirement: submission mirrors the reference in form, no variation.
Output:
9 h 00 min 20 s
